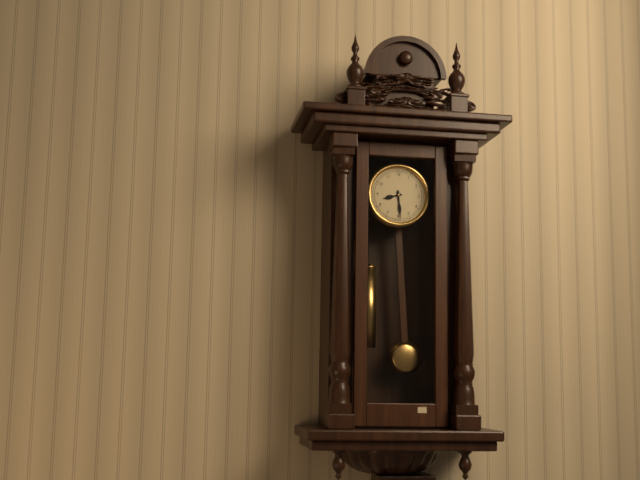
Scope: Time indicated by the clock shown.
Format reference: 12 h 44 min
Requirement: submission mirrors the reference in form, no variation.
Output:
8 h 29 min
